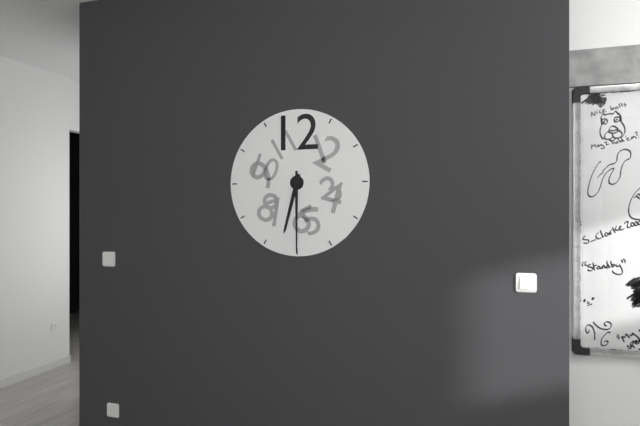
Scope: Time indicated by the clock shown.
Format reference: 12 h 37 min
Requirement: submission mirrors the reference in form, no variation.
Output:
6 h 30 min
